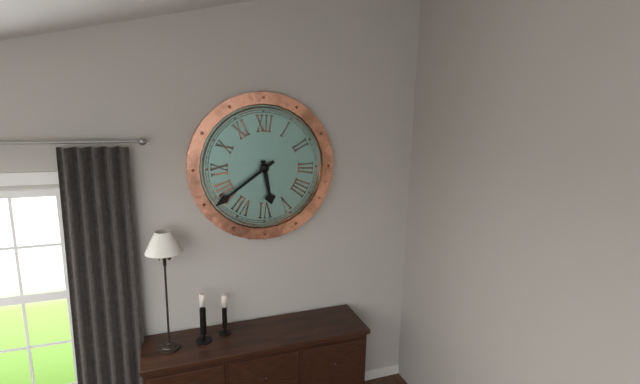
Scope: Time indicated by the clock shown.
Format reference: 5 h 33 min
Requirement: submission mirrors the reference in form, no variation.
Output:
5 h 39 min
